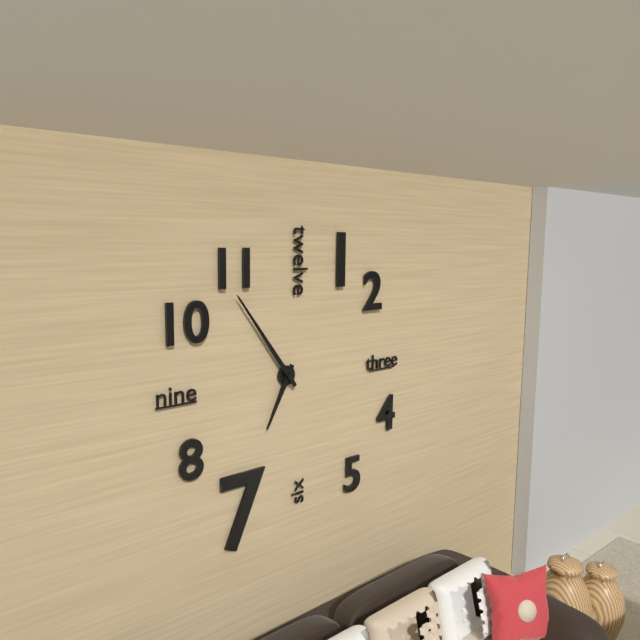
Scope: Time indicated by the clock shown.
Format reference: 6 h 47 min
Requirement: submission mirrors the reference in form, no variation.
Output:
6 h 54 min
